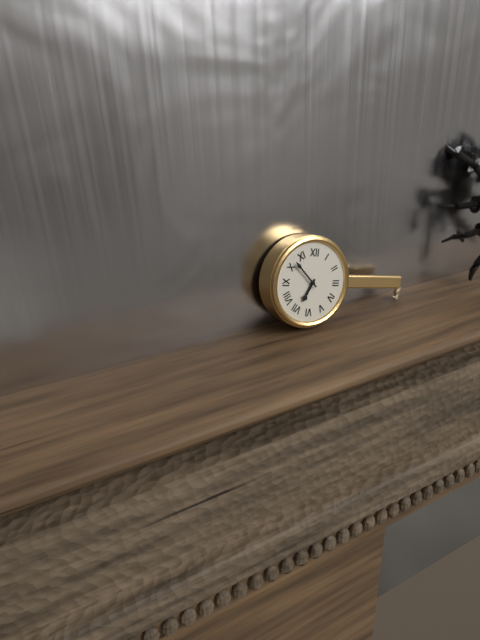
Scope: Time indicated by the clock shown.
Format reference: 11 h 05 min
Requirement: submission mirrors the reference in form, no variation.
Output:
6 h 52 min
